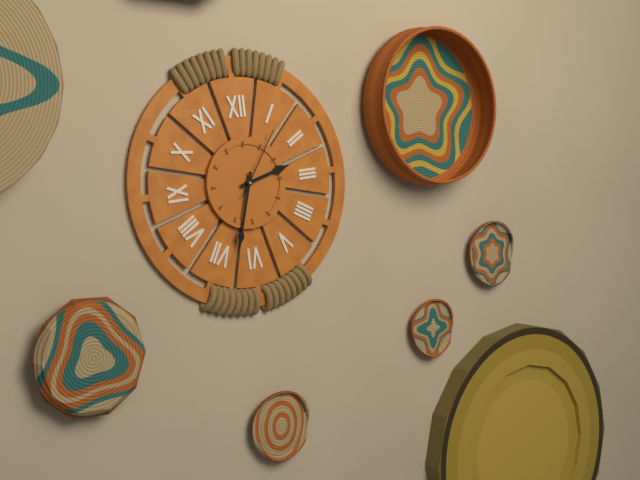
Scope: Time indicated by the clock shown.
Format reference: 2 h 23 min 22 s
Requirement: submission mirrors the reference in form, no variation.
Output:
2 h 33 min 06 s
